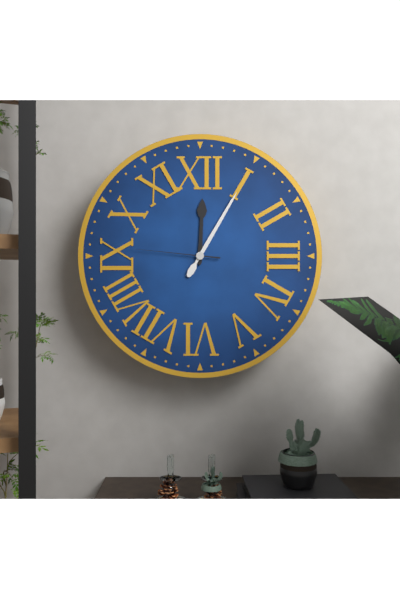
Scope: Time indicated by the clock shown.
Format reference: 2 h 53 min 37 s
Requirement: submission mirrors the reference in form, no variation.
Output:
12 h 05 min 46 s
